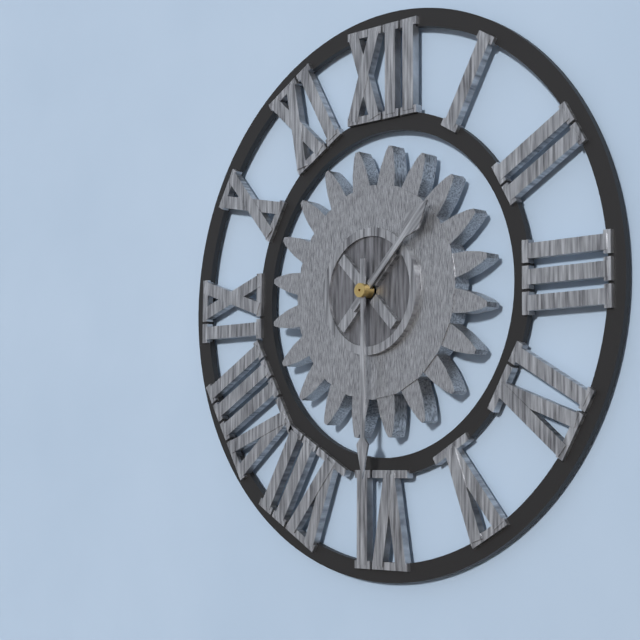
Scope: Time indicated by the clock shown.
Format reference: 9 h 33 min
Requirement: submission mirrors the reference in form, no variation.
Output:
1 h 30 min
